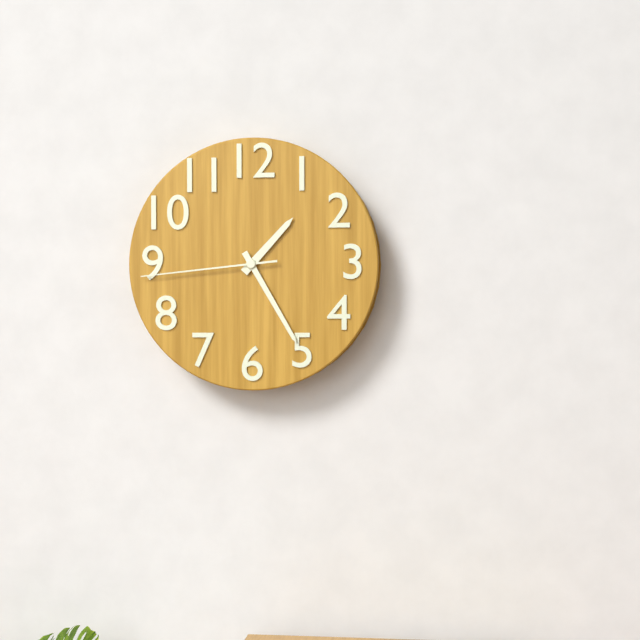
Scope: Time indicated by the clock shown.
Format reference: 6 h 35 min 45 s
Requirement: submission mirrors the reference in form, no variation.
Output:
1 h 25 min 44 s
